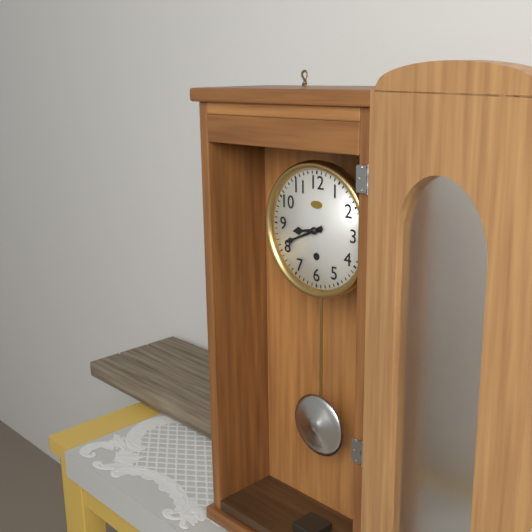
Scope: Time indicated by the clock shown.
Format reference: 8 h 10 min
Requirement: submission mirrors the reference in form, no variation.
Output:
8 h 41 min
